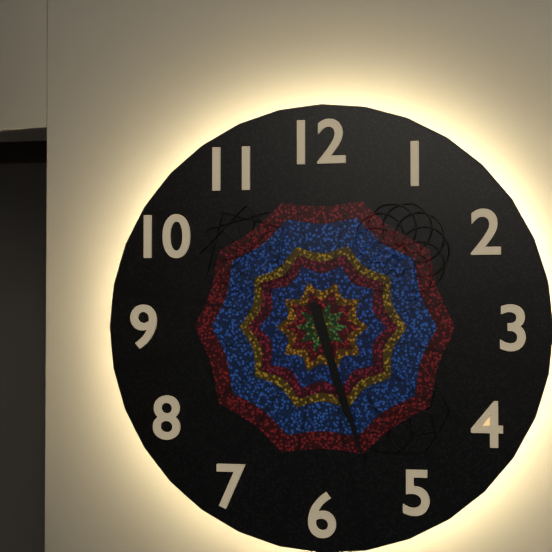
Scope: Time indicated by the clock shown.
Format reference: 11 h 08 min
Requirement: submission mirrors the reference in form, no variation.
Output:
5 h 27 min
